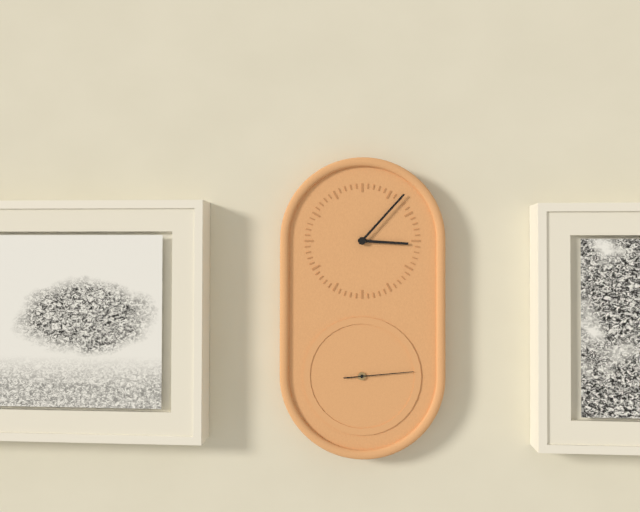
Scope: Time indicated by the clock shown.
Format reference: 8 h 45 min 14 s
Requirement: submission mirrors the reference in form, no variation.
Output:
3 h 07 min 14 s
